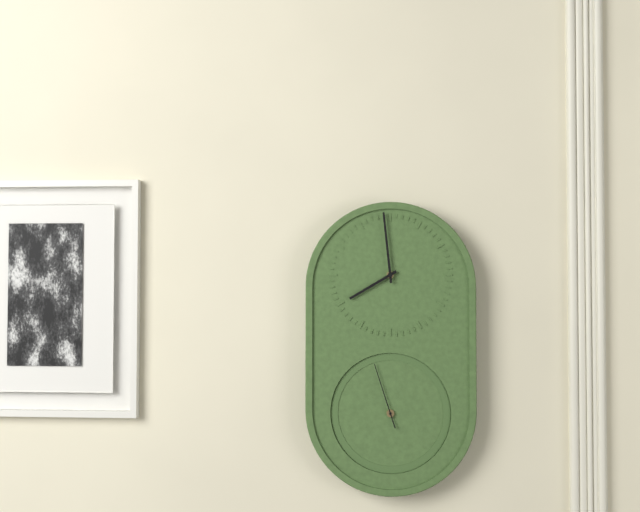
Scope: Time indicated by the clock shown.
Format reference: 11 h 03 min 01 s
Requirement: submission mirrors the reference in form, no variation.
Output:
7 h 59 min 57 s
